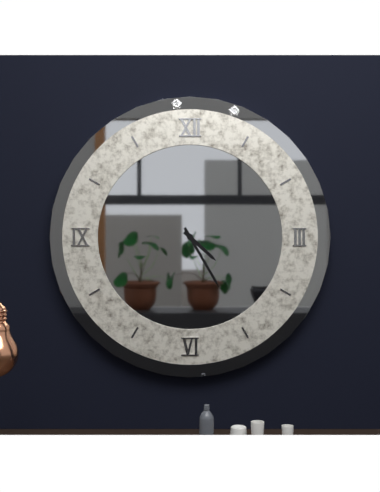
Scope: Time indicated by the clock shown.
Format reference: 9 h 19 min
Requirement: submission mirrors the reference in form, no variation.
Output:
4 h 25 min
